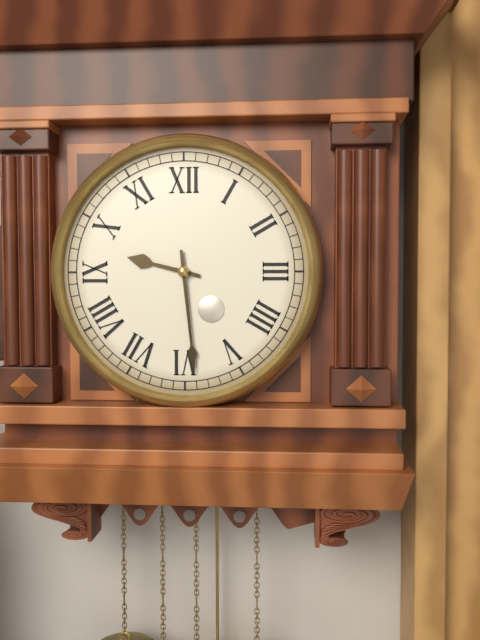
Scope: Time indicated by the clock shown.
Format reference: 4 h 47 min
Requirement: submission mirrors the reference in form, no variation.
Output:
9 h 29 min
